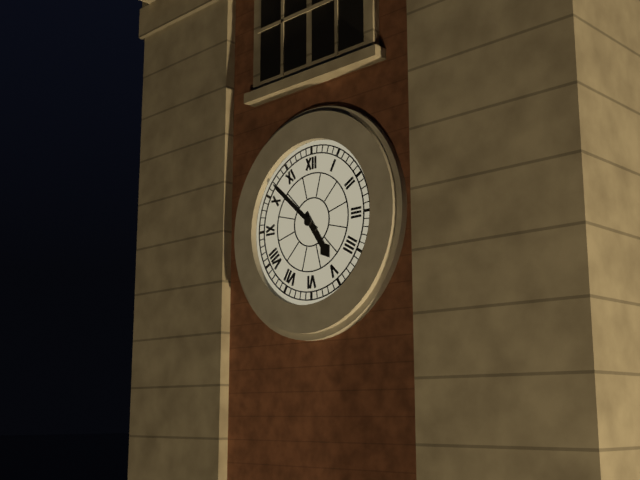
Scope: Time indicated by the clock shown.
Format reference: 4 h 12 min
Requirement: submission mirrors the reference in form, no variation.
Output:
4 h 52 min
